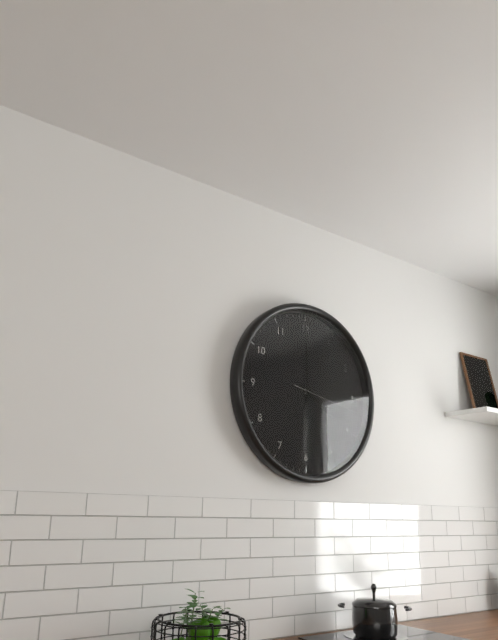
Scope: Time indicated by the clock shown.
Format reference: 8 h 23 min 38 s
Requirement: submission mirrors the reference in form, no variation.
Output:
4 h 00 min 17 s
